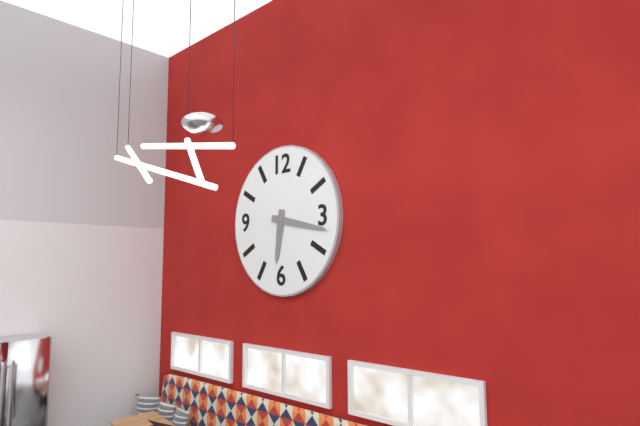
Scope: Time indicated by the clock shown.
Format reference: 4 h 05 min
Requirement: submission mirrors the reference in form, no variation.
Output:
6 h 17 min
